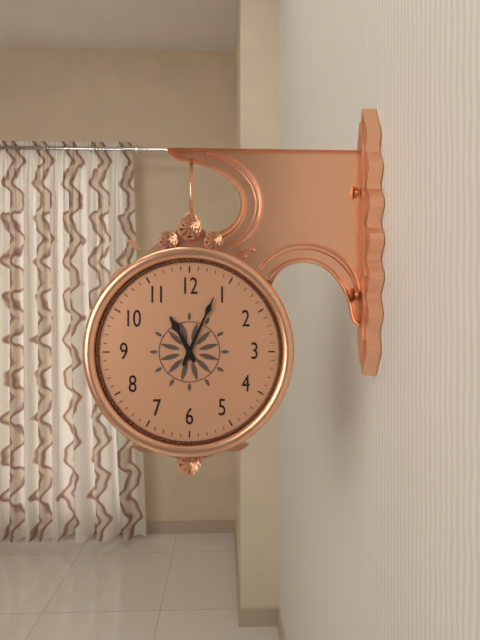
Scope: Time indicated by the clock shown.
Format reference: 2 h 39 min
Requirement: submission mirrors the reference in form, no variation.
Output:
11 h 04 min
